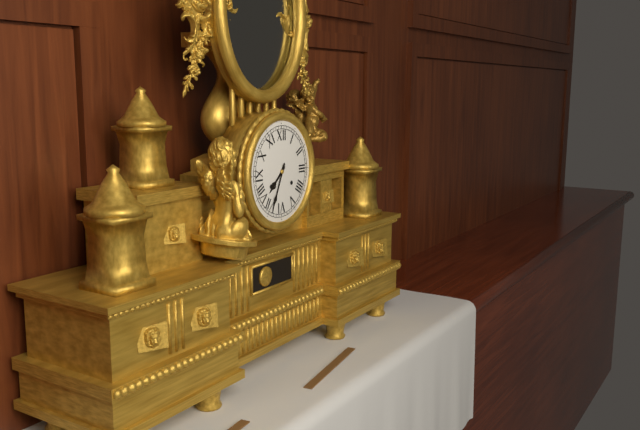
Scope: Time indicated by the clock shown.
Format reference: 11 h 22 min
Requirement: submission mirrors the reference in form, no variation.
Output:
7 h 34 min
